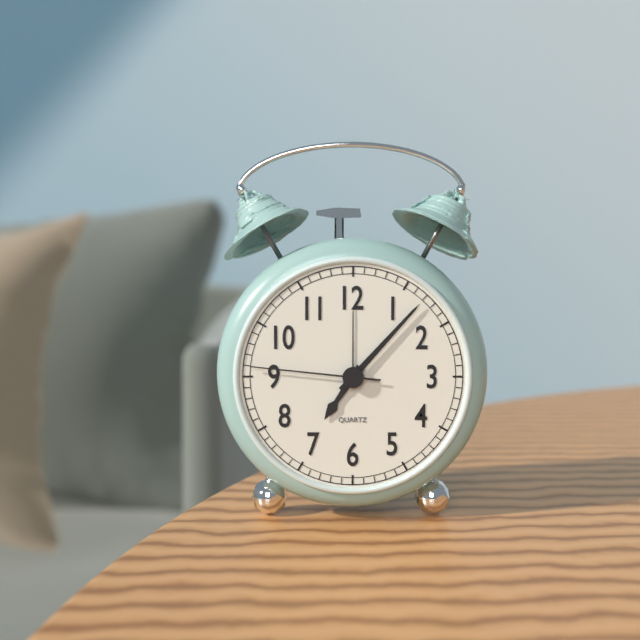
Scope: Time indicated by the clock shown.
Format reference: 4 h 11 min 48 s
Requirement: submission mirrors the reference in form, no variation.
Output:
7 h 07 min 46 s
